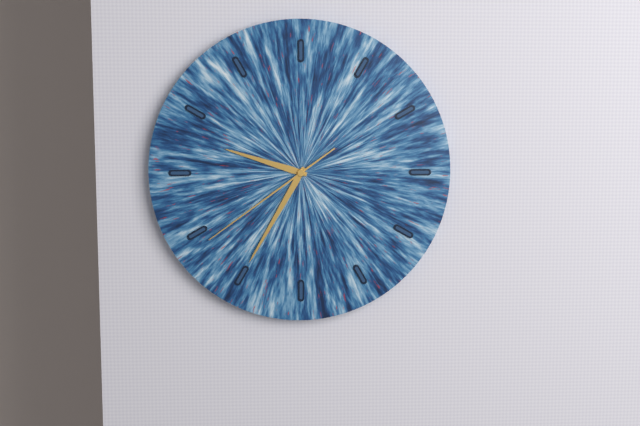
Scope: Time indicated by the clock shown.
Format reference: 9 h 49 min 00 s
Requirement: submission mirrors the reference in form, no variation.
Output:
9 h 35 min 39 s
